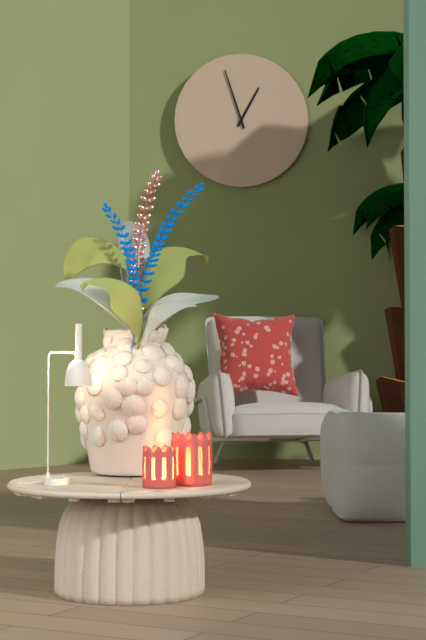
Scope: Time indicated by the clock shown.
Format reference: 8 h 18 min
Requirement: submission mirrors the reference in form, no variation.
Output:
12 h 57 min
